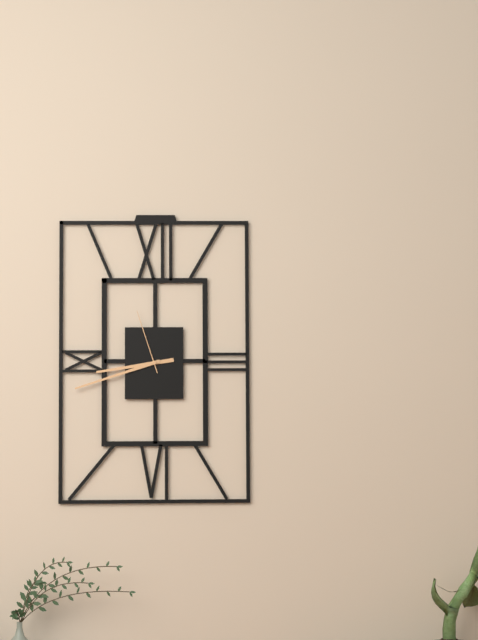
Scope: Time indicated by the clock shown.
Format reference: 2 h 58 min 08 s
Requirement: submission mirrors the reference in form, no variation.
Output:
8 h 42 min 57 s
